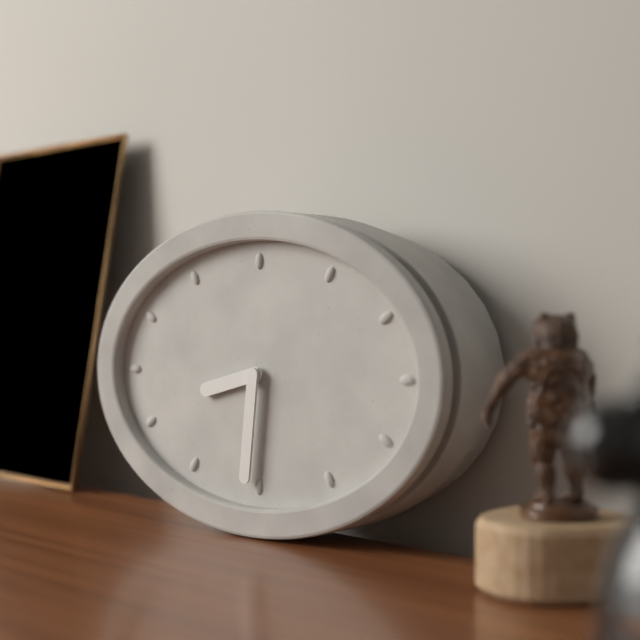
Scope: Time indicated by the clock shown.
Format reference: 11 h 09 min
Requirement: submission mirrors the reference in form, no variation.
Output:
8 h 31 min
